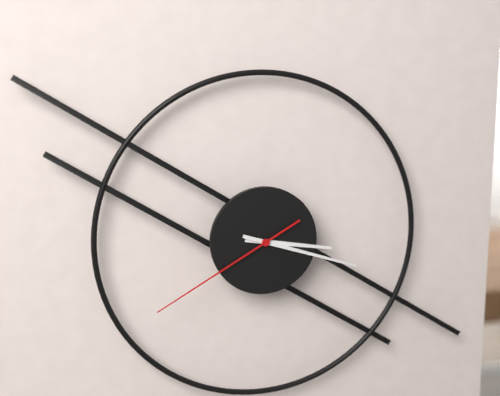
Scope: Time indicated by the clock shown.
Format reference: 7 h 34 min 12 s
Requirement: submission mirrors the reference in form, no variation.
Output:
3 h 18 min 40 s
